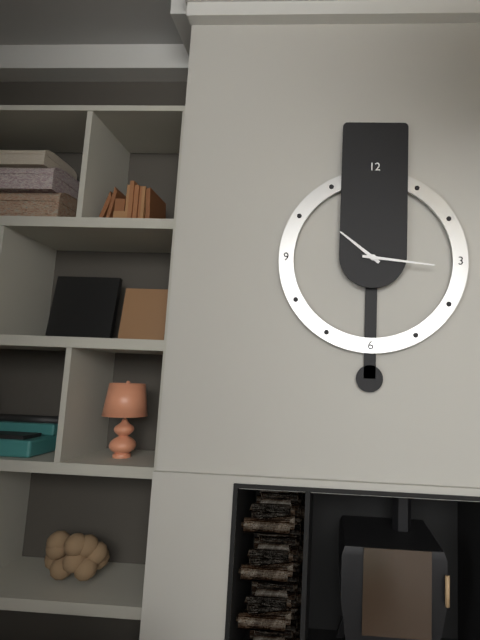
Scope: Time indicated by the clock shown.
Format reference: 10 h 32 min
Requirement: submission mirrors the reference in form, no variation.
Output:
10 h 16 min
